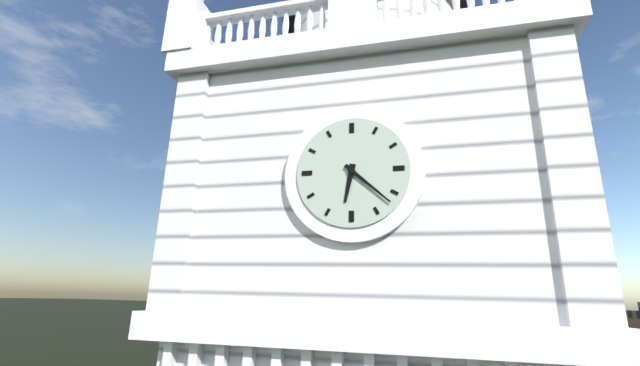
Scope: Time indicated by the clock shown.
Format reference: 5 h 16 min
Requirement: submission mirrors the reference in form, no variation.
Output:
6 h 22 min
